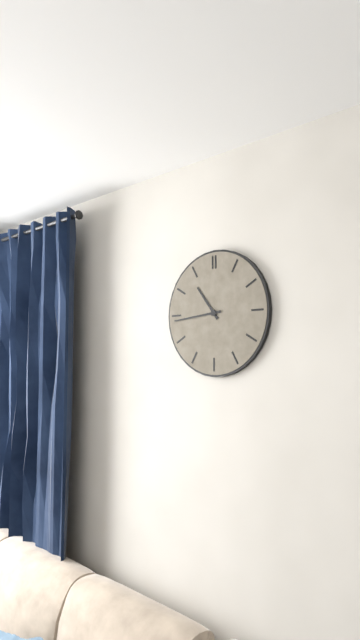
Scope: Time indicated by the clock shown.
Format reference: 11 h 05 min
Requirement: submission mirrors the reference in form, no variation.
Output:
10 h 44 min
